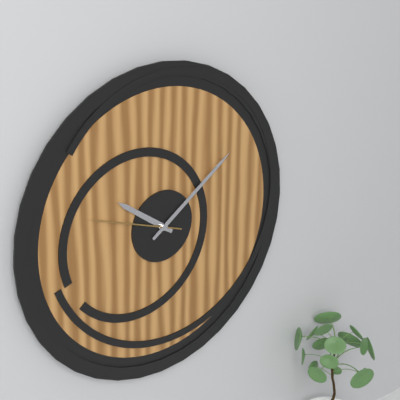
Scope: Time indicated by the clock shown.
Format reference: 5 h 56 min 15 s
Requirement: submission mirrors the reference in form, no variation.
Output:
10 h 09 min 48 s
